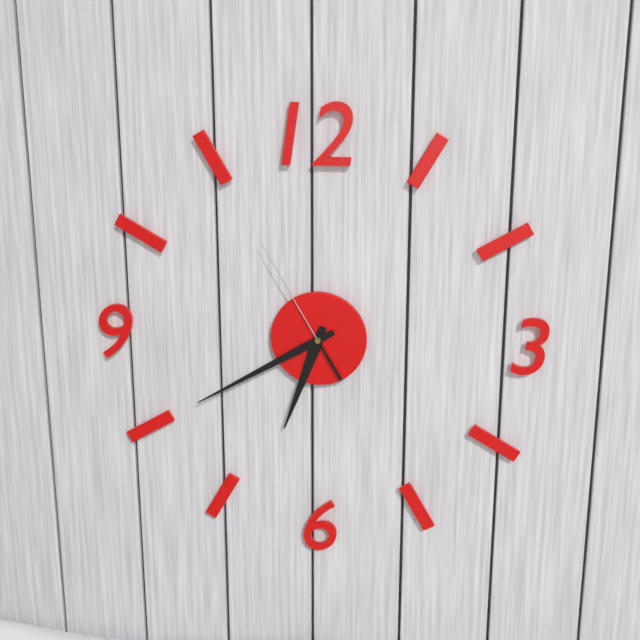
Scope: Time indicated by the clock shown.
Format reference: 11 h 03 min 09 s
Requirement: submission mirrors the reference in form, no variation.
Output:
6 h 40 min 55 s
